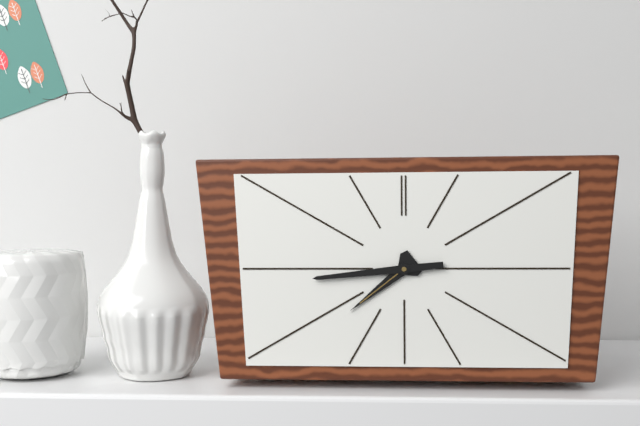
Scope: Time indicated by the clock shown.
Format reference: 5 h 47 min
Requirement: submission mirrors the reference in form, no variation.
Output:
7 h 44 min
